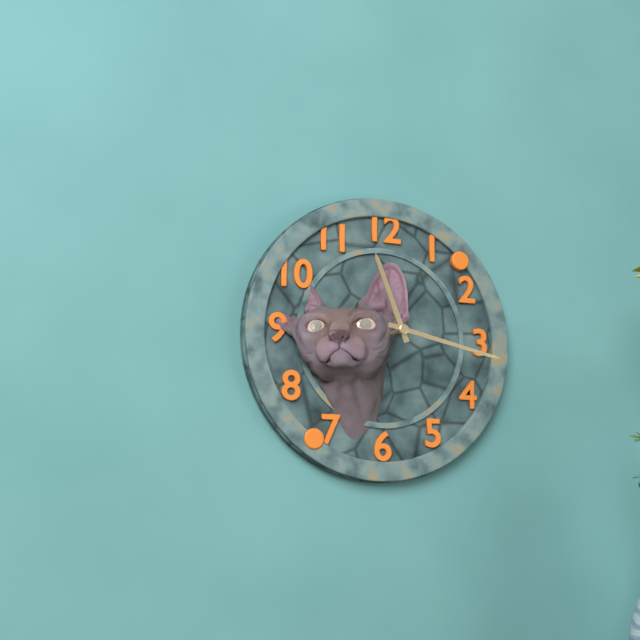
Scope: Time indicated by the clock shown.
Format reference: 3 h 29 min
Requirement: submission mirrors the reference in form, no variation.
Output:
11 h 17 min
